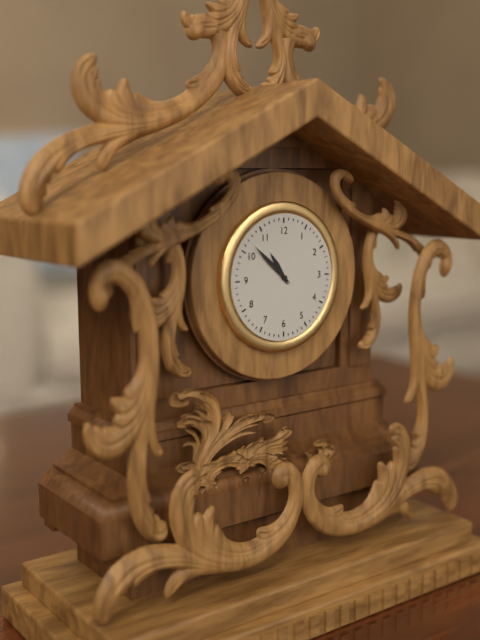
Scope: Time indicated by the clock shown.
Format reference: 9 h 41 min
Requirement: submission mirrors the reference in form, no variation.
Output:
10 h 52 min
